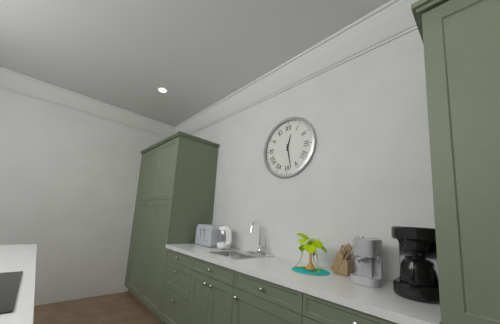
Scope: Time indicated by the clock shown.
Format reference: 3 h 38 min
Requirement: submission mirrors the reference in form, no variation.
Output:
12 h 28 min
